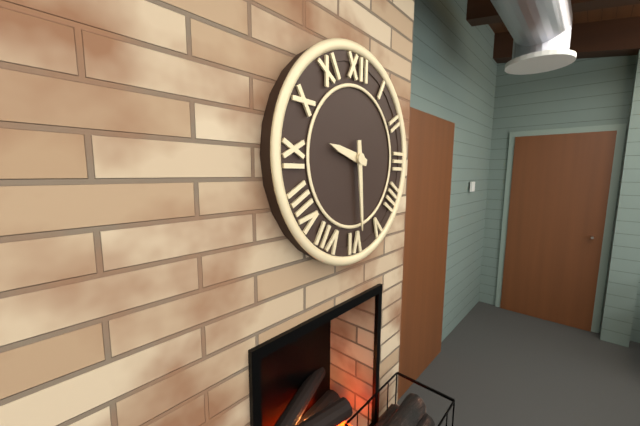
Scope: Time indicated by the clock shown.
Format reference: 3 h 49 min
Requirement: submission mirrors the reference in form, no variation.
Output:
9 h 29 min
